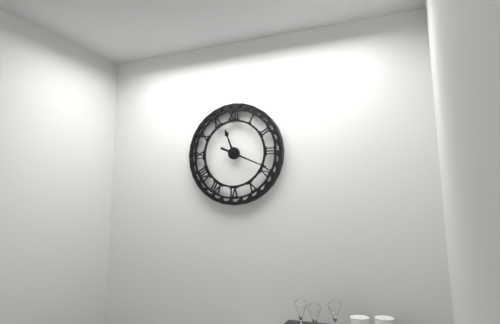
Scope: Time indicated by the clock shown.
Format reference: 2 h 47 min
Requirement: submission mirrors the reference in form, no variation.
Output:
11 h 19 min
